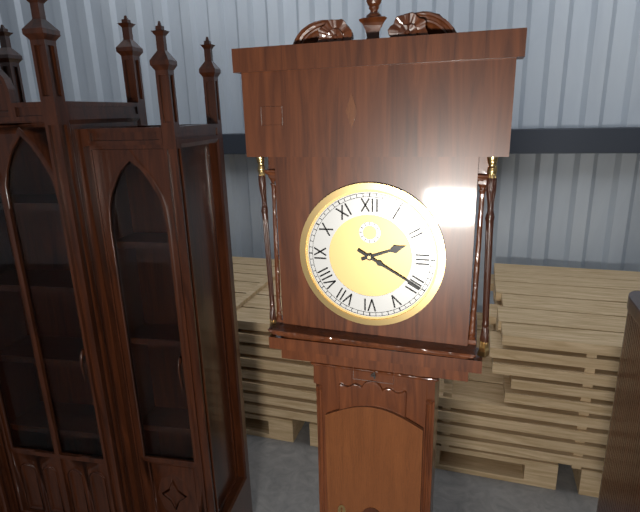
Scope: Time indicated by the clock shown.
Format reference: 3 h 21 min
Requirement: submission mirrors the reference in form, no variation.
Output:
2 h 20 min
